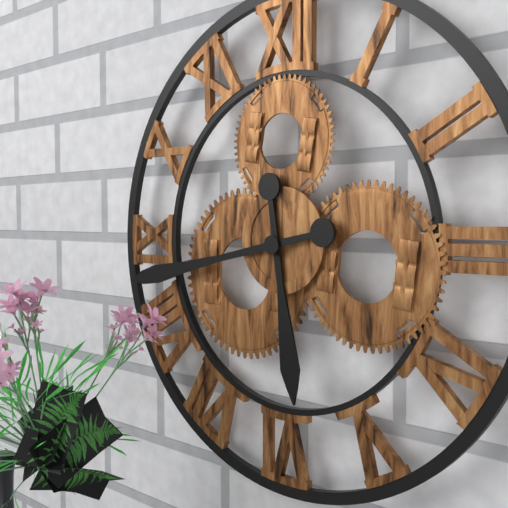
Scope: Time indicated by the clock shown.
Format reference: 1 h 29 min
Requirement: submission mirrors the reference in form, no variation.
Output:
5 h 43 min
